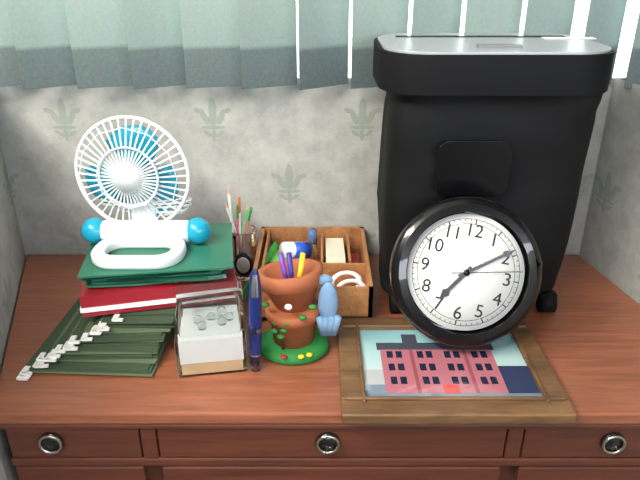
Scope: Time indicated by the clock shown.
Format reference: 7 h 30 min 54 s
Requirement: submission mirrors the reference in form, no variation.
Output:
7 h 09 min 13 s
